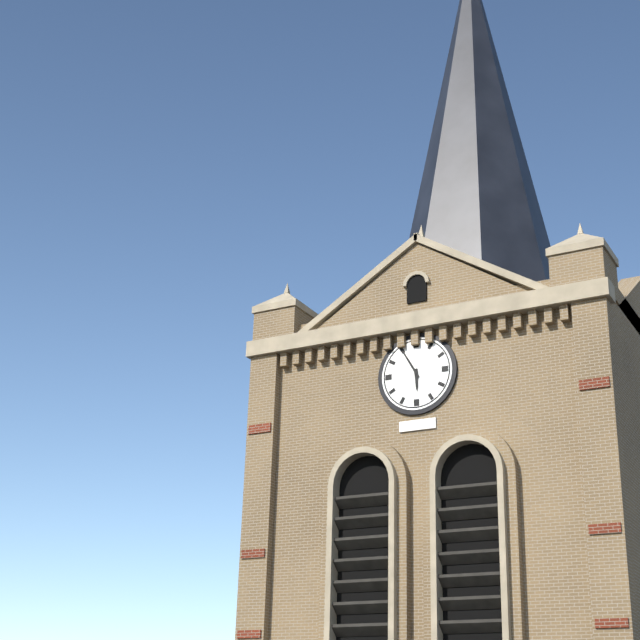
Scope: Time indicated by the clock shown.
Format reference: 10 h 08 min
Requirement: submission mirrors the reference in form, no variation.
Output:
5 h 55 min
